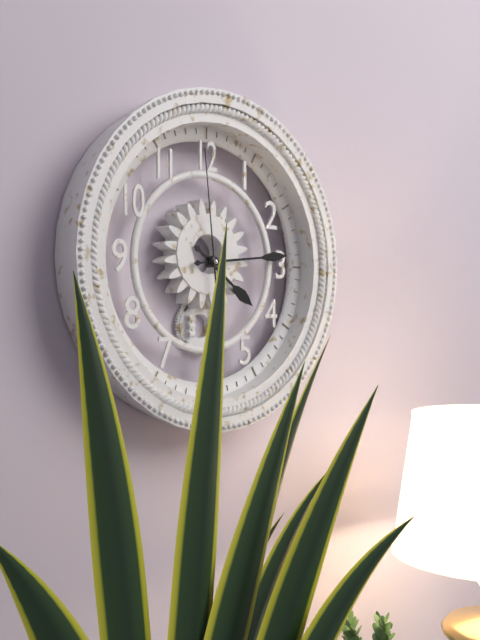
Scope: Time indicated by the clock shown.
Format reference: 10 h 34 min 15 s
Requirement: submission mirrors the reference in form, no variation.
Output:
4 h 14 min 59 s
